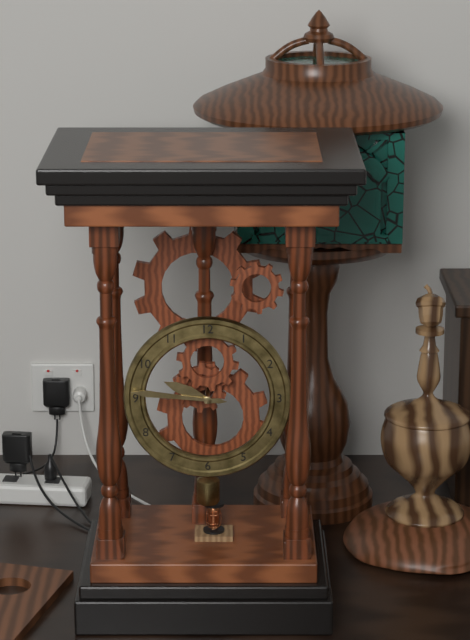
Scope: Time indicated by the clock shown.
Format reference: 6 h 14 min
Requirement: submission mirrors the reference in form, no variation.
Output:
9 h 46 min
